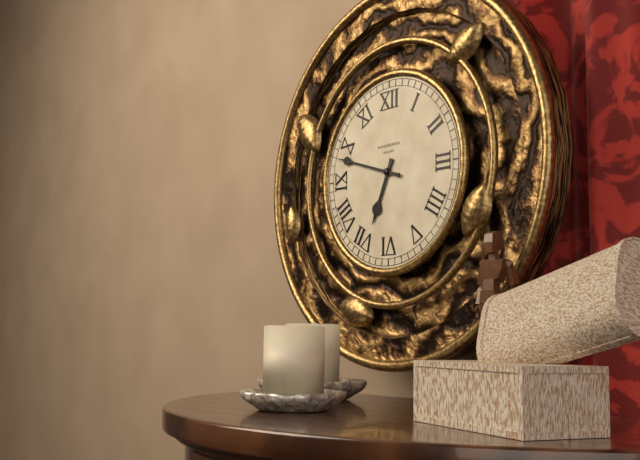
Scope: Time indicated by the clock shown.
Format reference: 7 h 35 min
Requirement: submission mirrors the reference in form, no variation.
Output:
6 h 48 min
